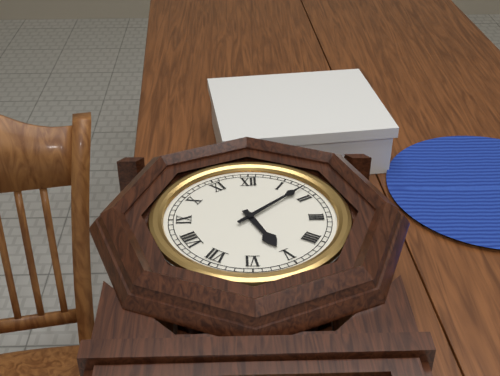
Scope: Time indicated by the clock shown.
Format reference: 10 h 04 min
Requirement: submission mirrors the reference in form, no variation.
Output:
5 h 08 min
